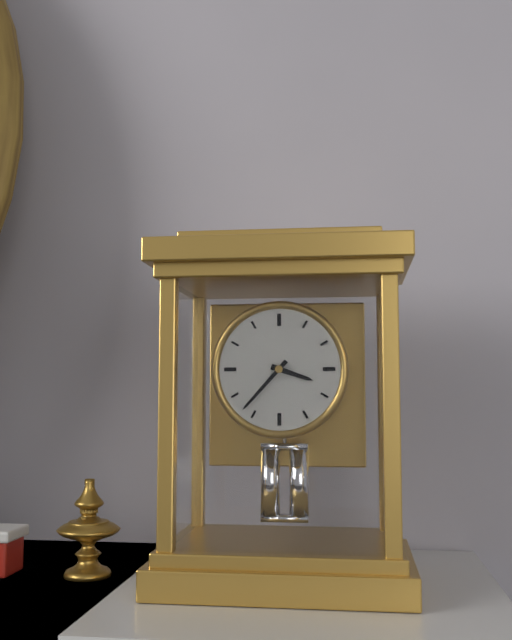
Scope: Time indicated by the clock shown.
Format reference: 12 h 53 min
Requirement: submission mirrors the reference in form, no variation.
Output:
3 h 37 min
